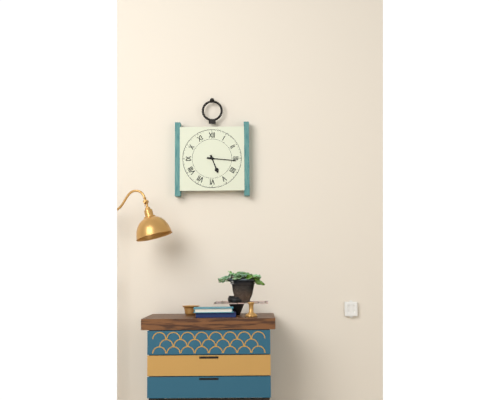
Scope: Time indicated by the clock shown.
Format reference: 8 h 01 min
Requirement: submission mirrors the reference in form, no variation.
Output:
5 h 16 min
